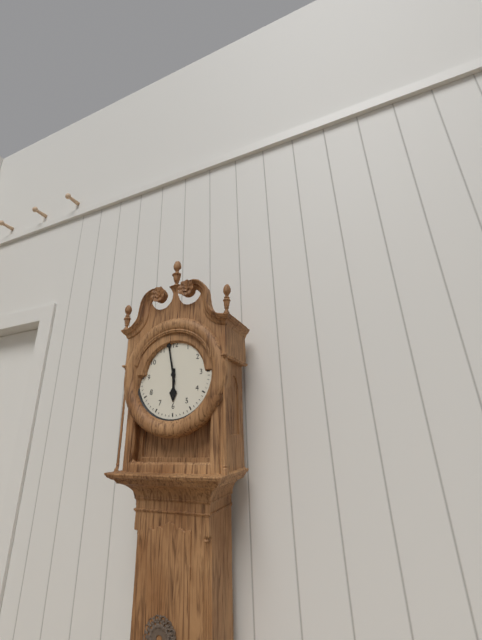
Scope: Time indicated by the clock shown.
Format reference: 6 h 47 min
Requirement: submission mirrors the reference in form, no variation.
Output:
5 h 58 min
